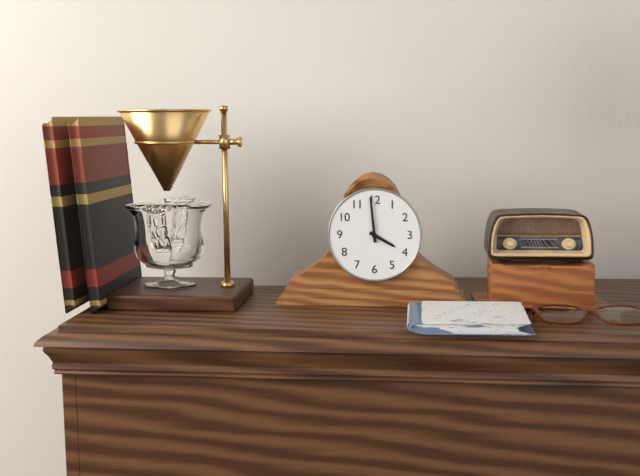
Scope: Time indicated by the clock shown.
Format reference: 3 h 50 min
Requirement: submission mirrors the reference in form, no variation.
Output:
3 h 59 min
